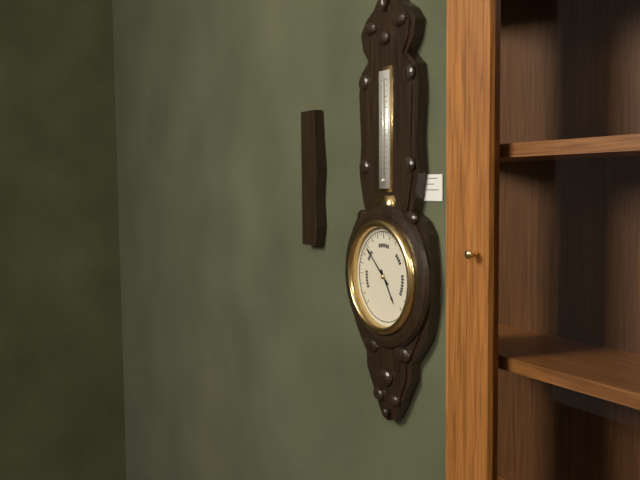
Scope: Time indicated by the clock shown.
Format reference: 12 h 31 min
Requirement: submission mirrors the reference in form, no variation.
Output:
4 h 52 min
